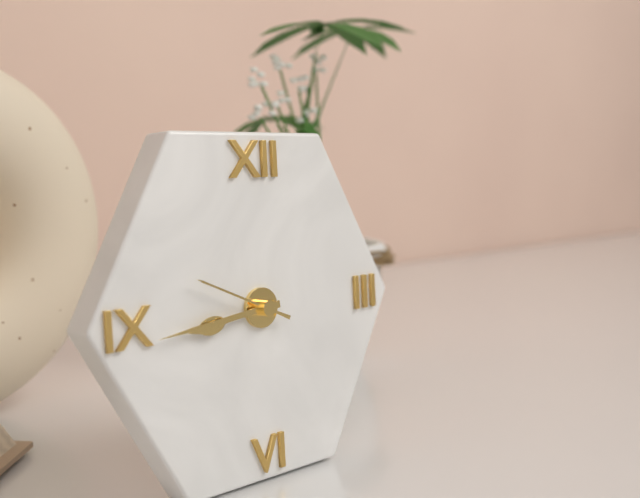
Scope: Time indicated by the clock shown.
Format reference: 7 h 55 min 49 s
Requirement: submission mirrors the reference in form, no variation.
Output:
8 h 44 min 49 s
